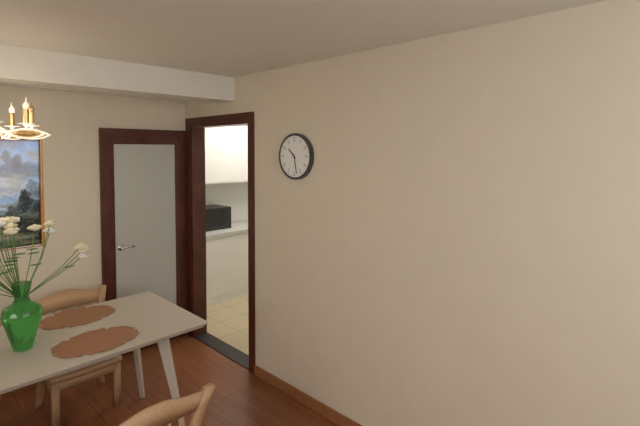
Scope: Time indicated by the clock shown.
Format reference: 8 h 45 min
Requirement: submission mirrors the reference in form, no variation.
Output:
10 h 28 min
